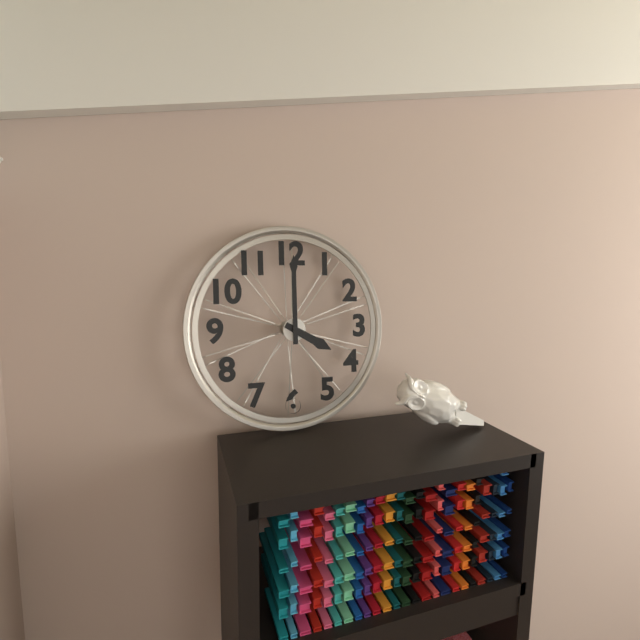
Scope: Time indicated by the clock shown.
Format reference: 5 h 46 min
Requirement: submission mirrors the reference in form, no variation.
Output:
4 h 00 min
